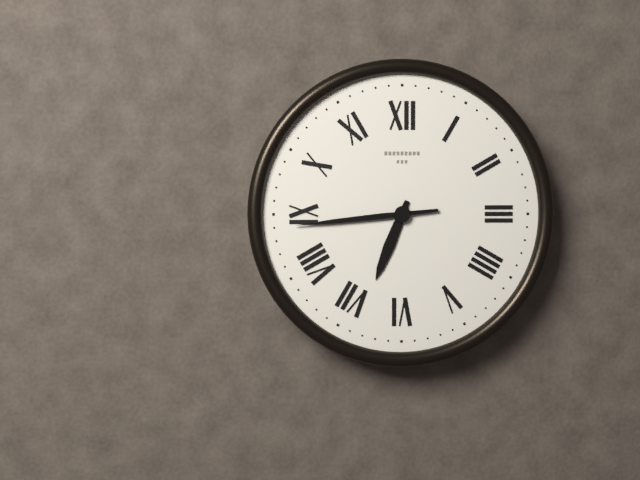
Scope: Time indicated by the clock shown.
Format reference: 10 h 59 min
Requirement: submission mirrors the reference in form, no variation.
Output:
6 h 44 min
